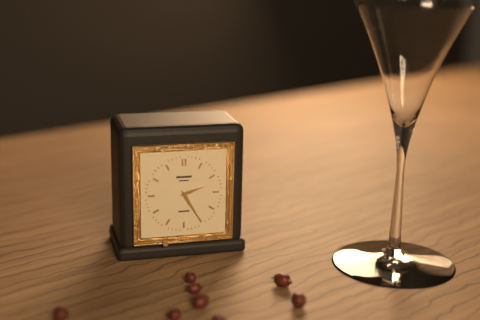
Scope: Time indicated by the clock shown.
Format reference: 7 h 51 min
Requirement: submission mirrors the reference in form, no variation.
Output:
2 h 25 min
